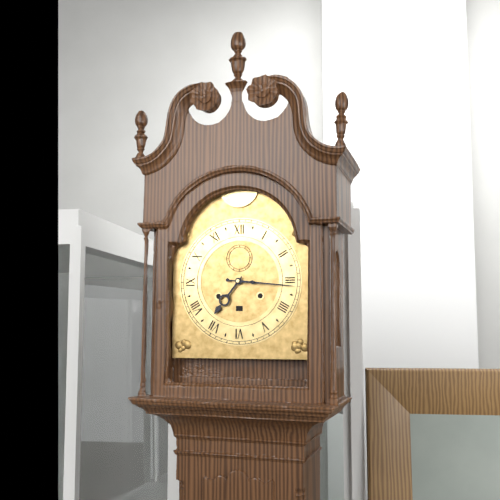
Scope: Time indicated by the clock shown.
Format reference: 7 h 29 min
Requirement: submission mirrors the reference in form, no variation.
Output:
7 h 16 min
